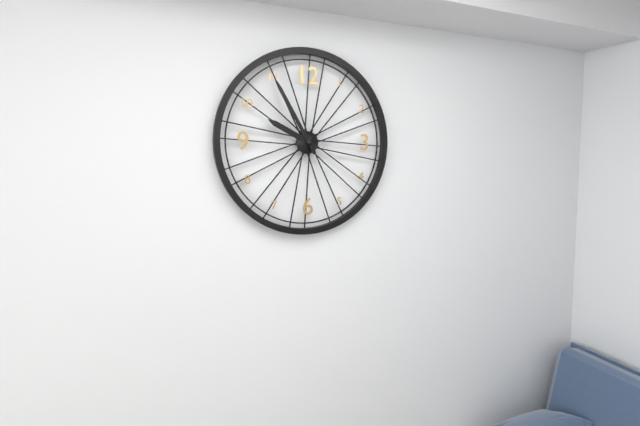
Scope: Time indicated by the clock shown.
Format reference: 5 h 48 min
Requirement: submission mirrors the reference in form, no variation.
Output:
9 h 55 min
